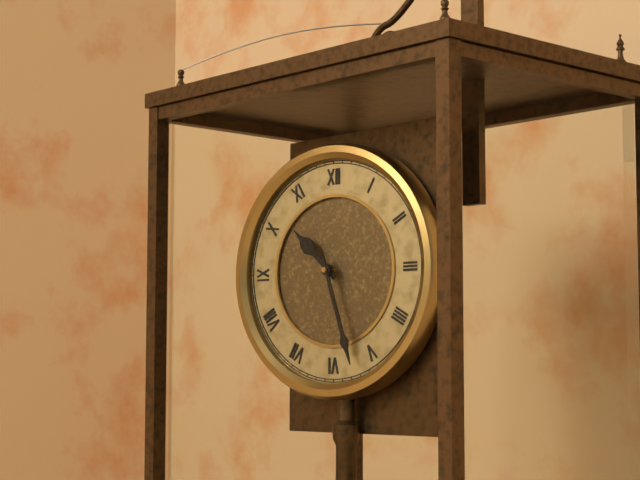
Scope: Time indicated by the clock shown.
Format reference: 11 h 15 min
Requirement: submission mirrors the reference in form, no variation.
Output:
10 h 27 min
